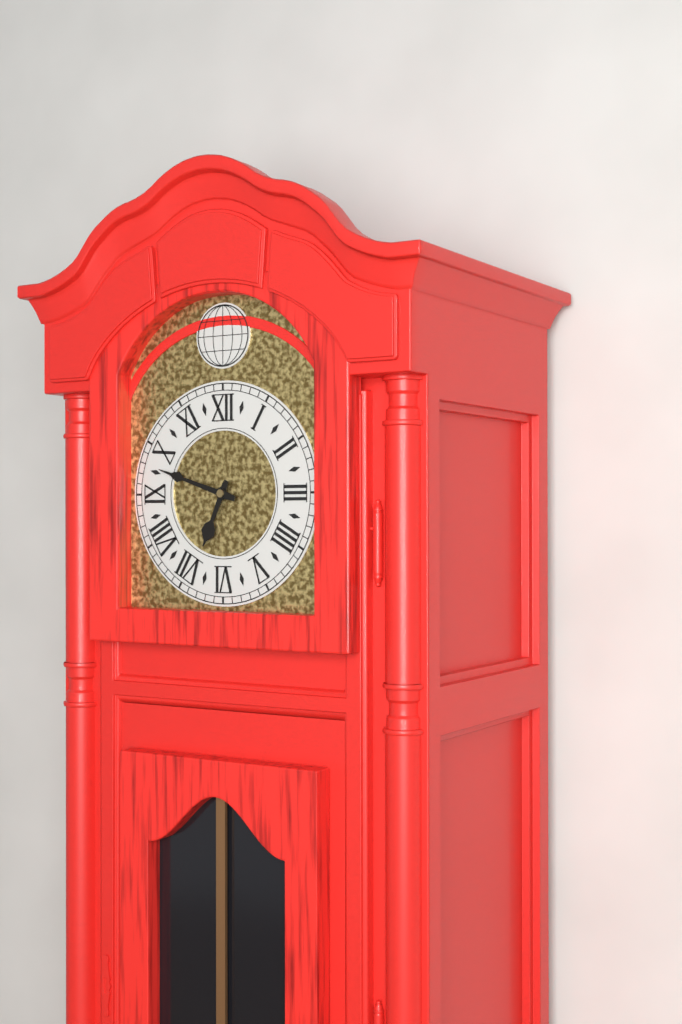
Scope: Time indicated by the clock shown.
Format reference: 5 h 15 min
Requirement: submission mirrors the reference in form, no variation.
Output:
6 h 48 min
